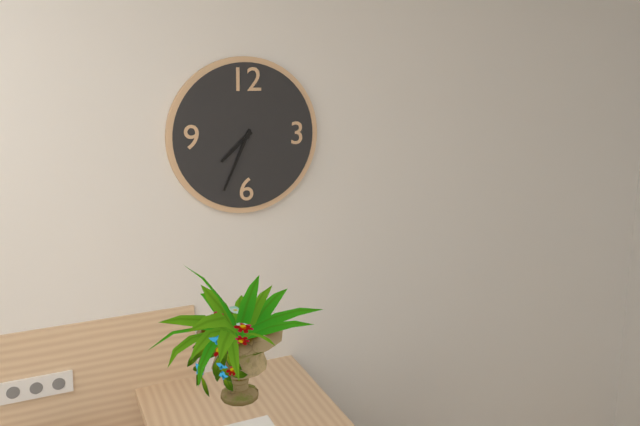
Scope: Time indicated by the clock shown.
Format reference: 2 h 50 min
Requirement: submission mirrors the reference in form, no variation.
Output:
7 h 34 min
